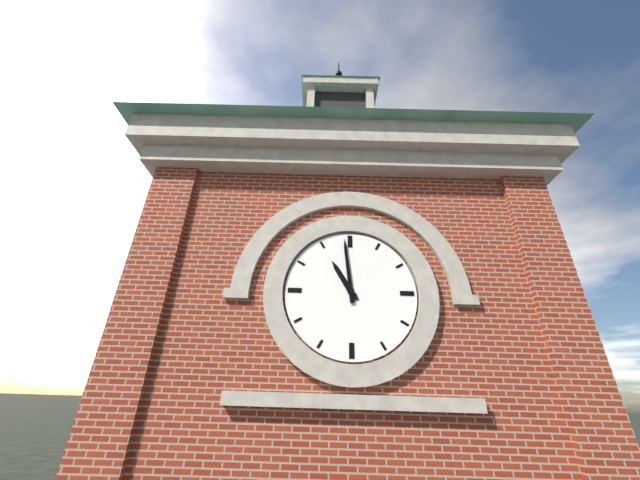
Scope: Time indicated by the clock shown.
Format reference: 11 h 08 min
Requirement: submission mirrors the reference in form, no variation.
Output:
10 h 59 min
